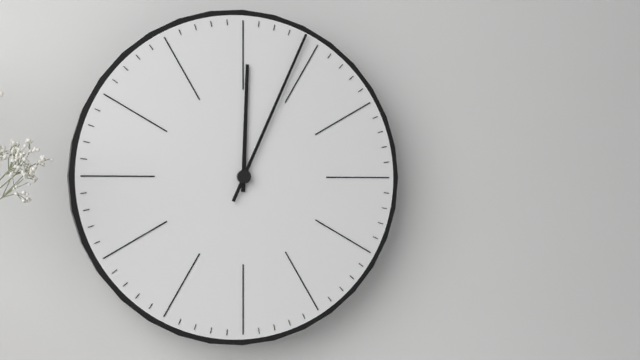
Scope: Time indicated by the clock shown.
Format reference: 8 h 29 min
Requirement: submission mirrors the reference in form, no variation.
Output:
12 h 04 min
